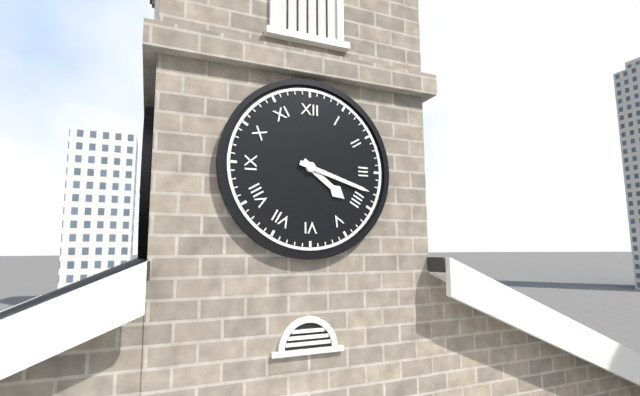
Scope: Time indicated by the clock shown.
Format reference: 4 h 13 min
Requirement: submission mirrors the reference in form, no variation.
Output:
4 h 18 min
